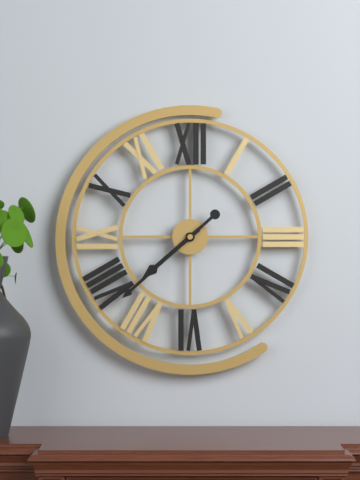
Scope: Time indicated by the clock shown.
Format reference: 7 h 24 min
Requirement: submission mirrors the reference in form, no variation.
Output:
7 h 38 min
